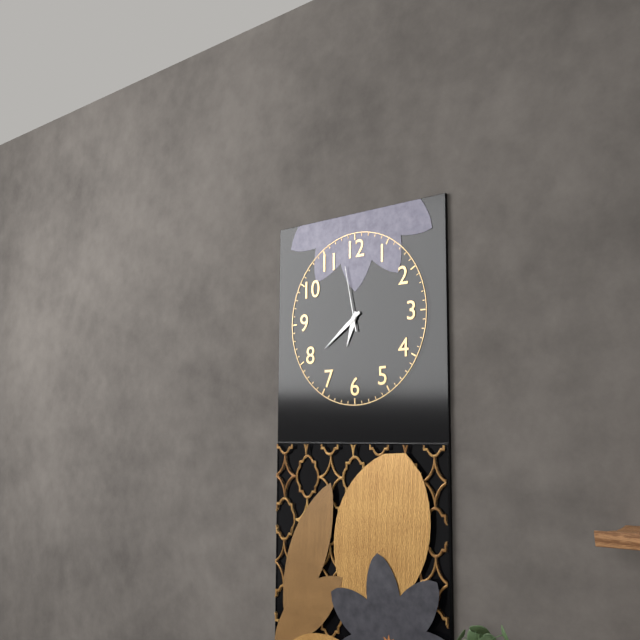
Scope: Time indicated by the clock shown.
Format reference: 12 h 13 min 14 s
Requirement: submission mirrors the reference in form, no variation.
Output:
6 h 39 min 58 s
